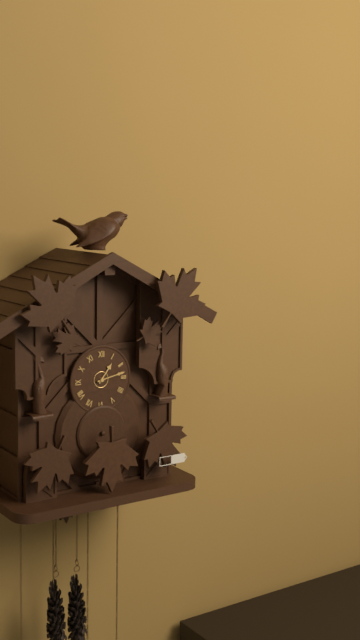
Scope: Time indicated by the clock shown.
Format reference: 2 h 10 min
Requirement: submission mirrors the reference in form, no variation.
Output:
1 h 13 min
